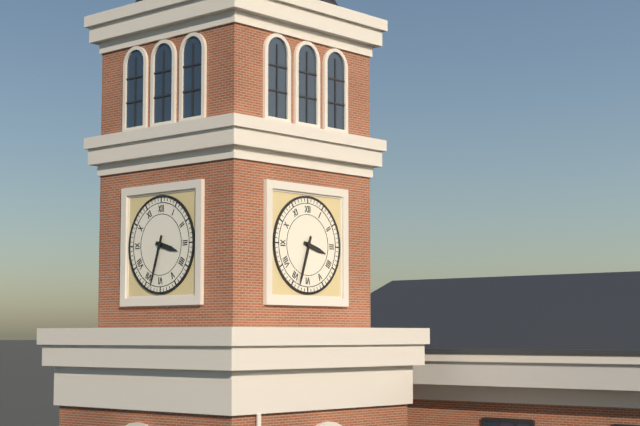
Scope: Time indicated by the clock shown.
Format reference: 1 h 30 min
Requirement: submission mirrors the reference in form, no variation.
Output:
3 h 33 min
